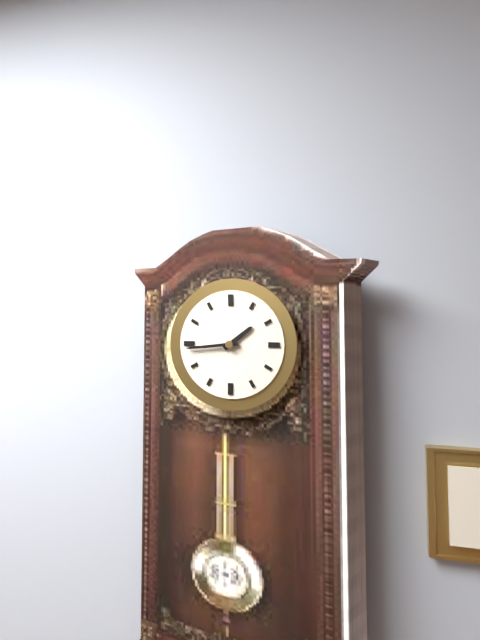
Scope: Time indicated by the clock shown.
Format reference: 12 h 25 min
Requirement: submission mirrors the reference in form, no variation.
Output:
1 h 44 min
